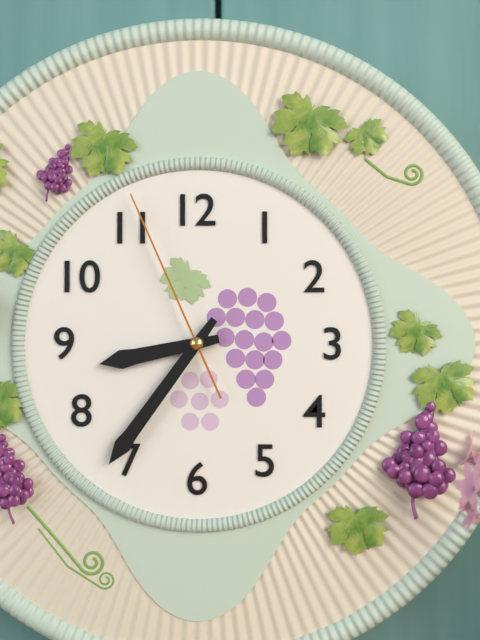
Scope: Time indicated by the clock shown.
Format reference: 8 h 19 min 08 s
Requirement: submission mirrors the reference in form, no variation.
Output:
8 h 36 min 56 s
